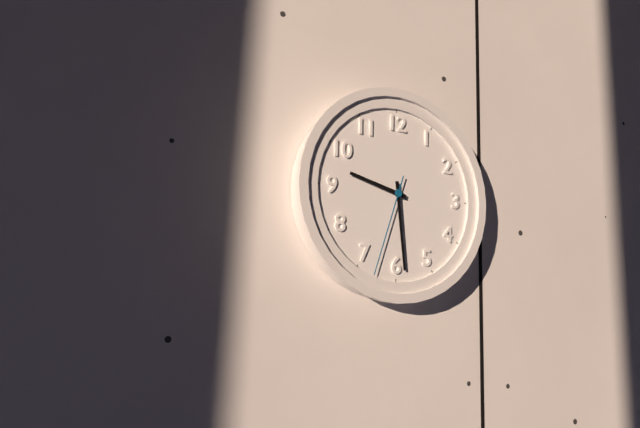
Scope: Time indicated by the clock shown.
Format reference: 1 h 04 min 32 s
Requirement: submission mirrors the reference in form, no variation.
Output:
9 h 29 min 33 s
